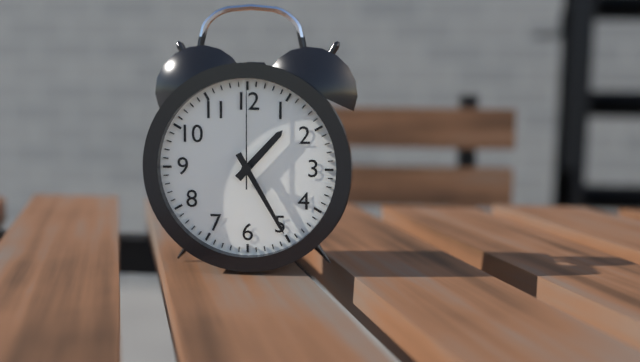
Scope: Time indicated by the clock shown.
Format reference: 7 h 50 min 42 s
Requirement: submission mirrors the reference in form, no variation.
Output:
1 h 25 min 00 s
